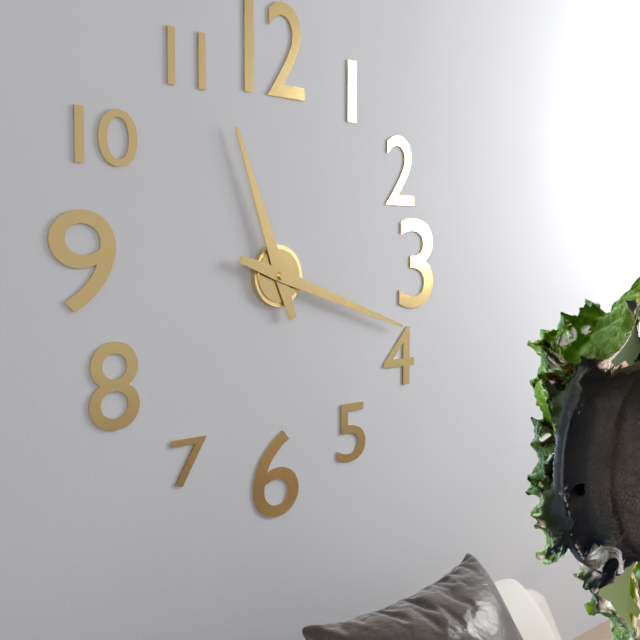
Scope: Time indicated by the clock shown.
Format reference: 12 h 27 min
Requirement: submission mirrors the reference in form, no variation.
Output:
11 h 18 min
